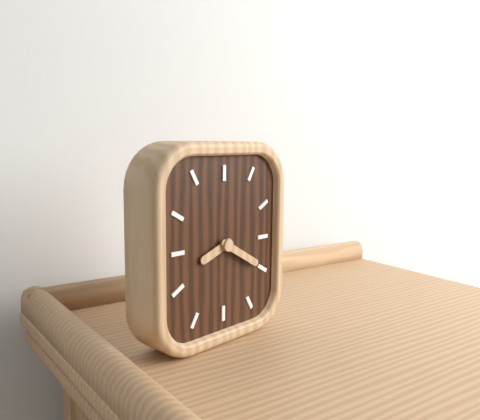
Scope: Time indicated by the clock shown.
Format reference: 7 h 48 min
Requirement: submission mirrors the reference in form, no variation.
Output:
8 h 20 min
